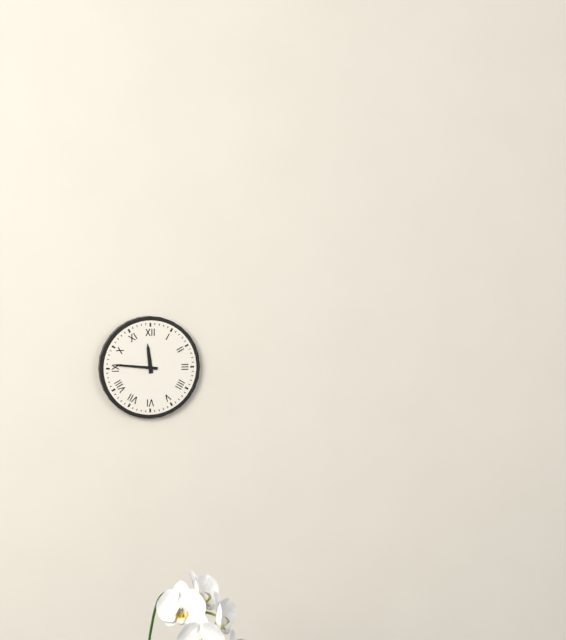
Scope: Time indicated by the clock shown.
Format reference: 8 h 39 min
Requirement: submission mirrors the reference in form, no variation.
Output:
11 h 46 min
